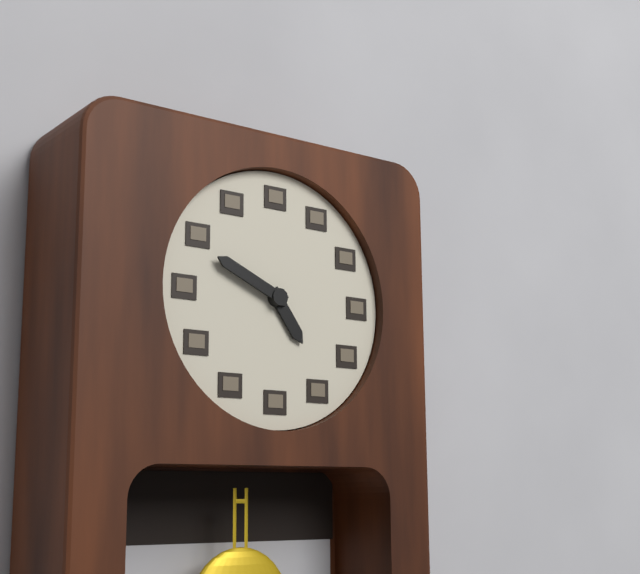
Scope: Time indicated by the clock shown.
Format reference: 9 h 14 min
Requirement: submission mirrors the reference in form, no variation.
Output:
4 h 49 min
